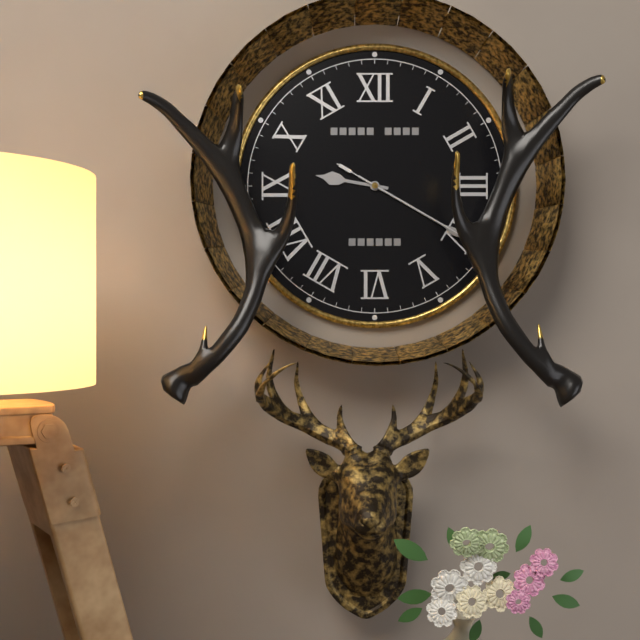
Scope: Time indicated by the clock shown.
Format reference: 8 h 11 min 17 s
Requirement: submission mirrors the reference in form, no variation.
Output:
9 h 20 min 20 s
